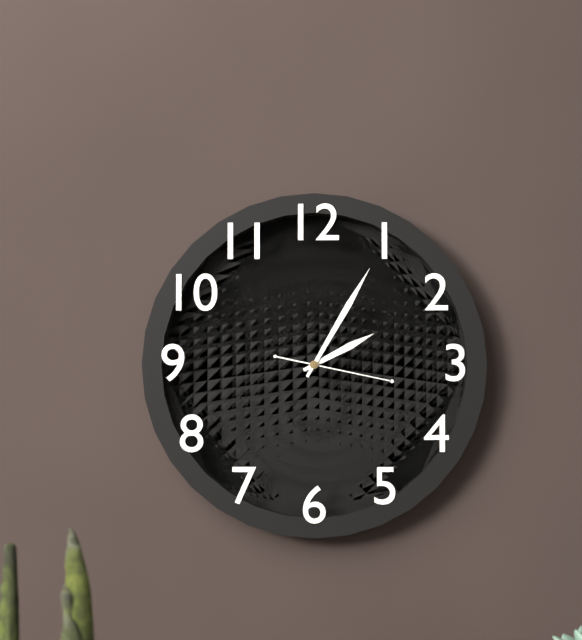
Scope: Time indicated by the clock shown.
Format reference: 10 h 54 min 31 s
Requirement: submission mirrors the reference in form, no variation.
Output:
2 h 05 min 17 s
